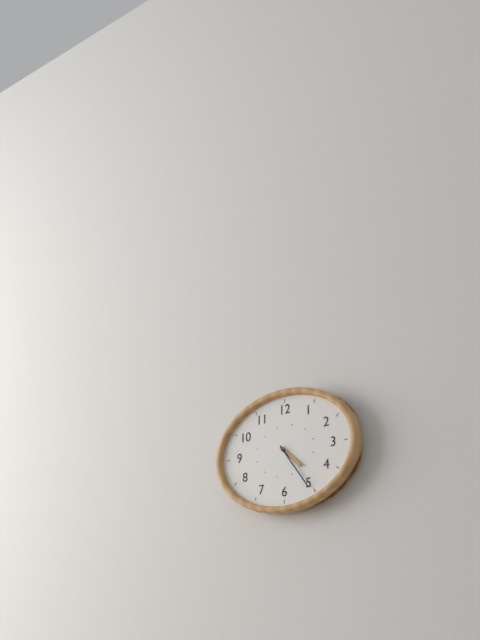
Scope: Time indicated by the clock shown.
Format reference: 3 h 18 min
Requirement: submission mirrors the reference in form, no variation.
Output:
4 h 24 min
